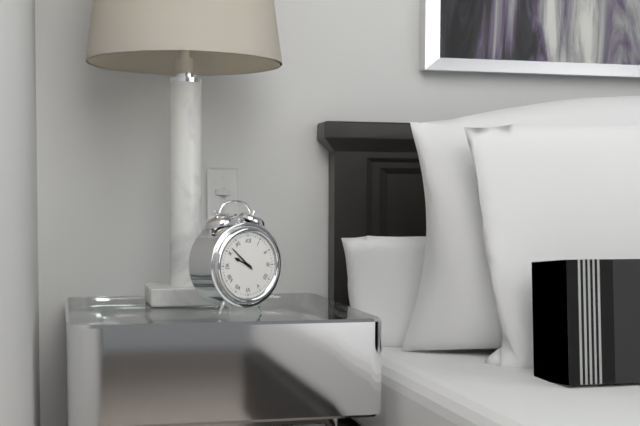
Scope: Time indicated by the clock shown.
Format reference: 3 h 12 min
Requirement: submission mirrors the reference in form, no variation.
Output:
9 h 52 min
